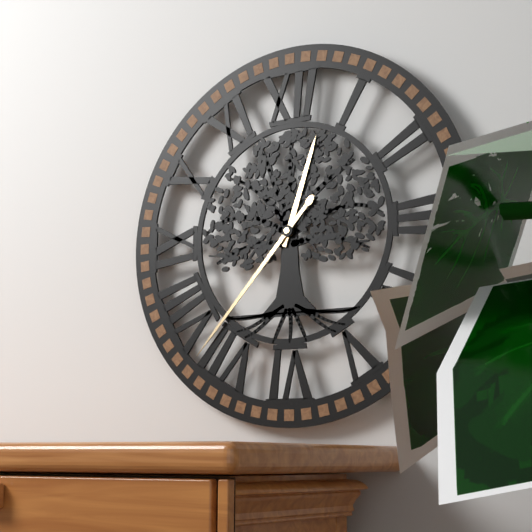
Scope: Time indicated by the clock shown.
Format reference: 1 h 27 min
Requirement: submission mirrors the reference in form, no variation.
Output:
12 h 37 min
